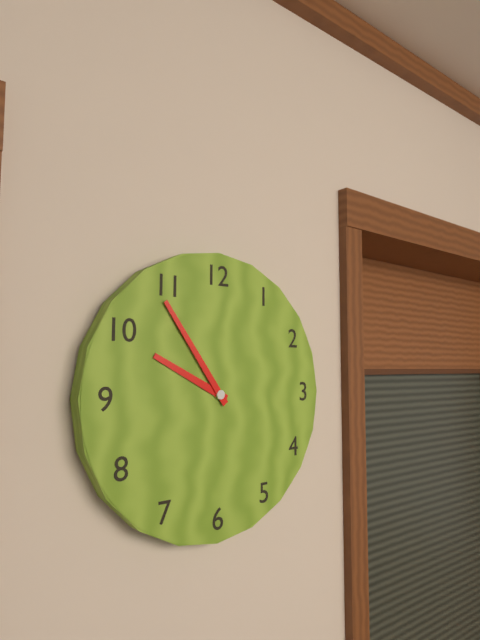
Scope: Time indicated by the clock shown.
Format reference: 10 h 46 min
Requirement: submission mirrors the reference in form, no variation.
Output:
9 h 54 min
